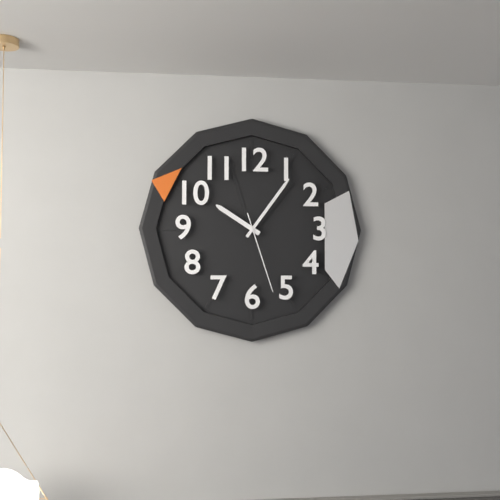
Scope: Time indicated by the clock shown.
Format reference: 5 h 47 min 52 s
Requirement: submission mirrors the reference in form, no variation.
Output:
10 h 06 min 27 s
